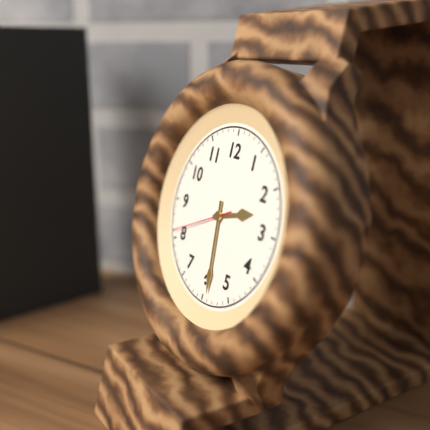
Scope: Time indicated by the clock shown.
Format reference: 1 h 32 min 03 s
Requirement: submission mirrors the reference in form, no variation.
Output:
2 h 29 min 41 s
